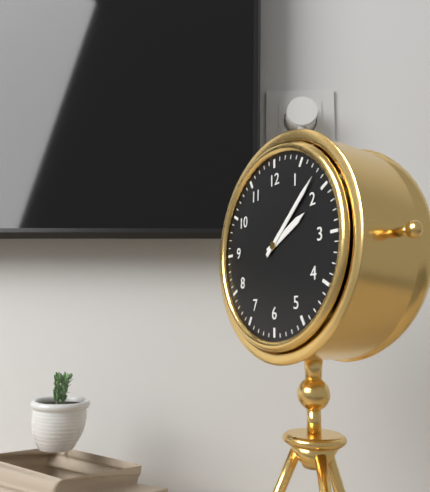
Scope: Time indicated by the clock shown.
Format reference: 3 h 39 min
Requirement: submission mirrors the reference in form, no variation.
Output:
2 h 08 min
